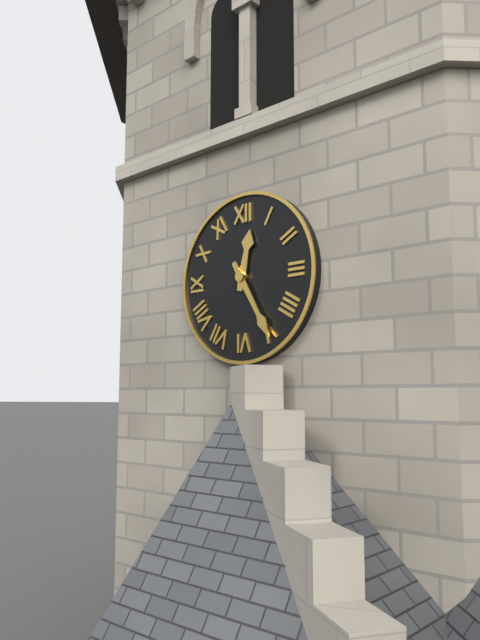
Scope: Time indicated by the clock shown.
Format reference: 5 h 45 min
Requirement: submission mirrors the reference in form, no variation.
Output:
12 h 25 min
